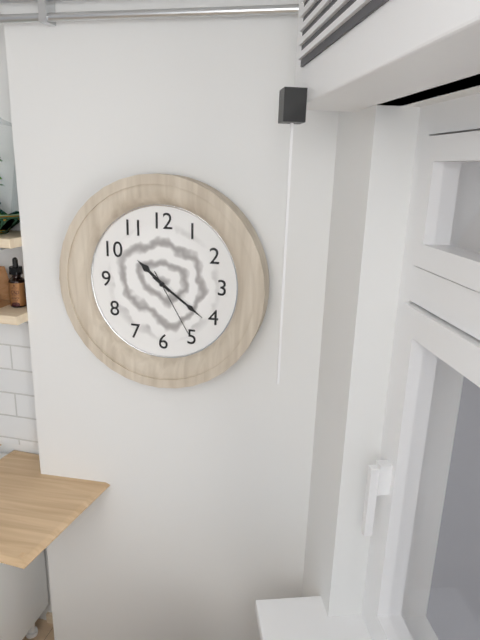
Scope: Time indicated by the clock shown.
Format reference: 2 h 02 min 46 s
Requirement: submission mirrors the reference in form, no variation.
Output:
10 h 21 min 25 s
